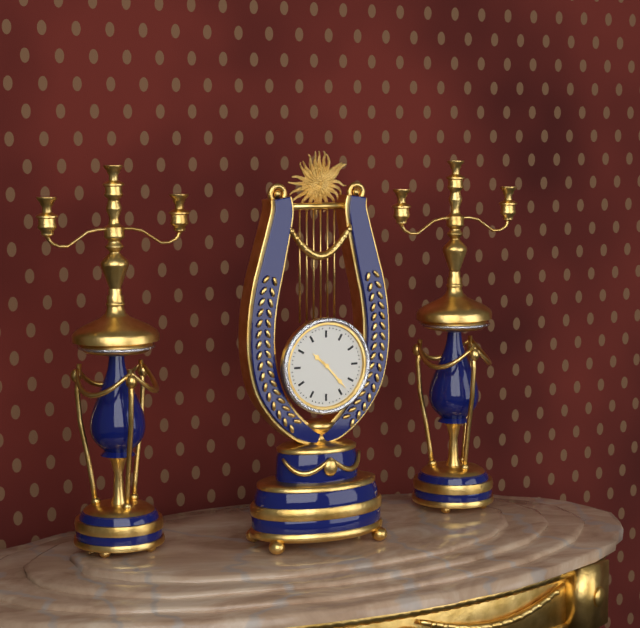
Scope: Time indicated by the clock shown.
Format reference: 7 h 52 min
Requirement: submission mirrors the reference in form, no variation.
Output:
10 h 23 min
